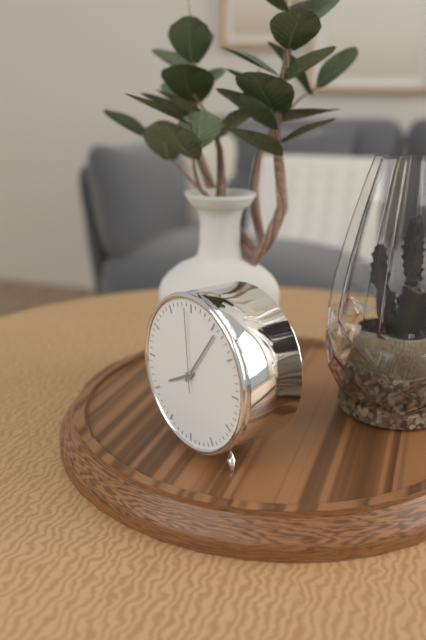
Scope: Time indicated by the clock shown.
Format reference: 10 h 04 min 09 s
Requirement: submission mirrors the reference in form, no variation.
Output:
8 h 06 min 59 s
